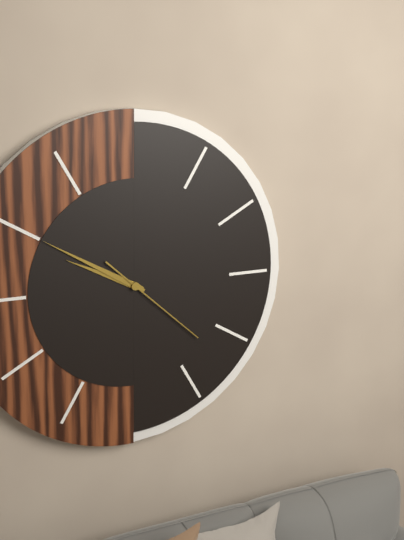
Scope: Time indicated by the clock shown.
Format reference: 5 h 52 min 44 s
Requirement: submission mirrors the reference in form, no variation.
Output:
9 h 50 min 22 s
